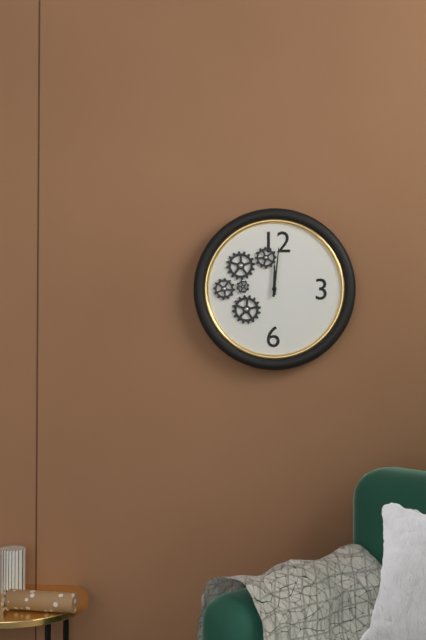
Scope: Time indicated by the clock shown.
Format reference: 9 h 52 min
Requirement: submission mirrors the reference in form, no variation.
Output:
12 h 01 min
